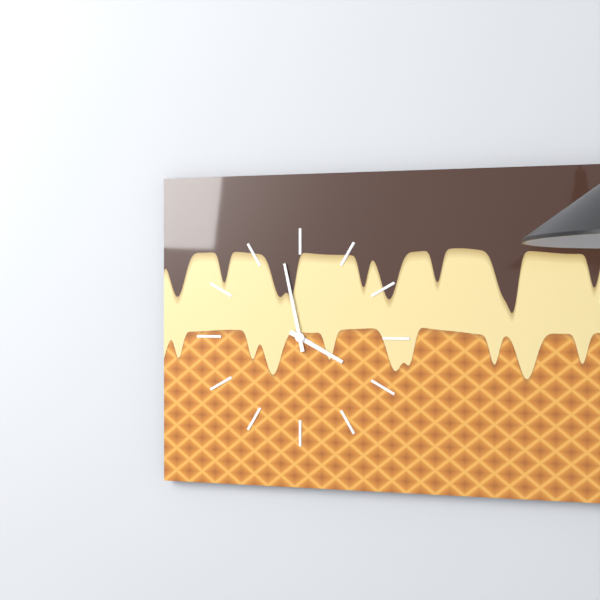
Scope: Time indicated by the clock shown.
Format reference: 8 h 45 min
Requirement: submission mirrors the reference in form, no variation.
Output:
3 h 58 min
